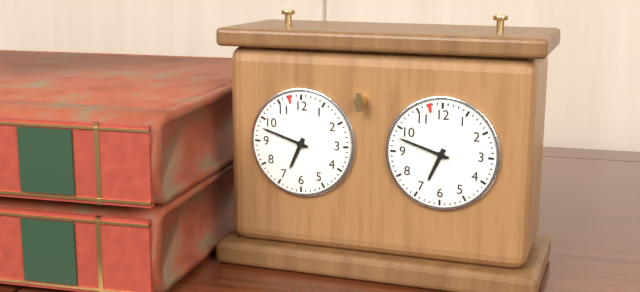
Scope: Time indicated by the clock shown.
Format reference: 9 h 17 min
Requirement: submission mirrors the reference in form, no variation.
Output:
6 h 48 min
